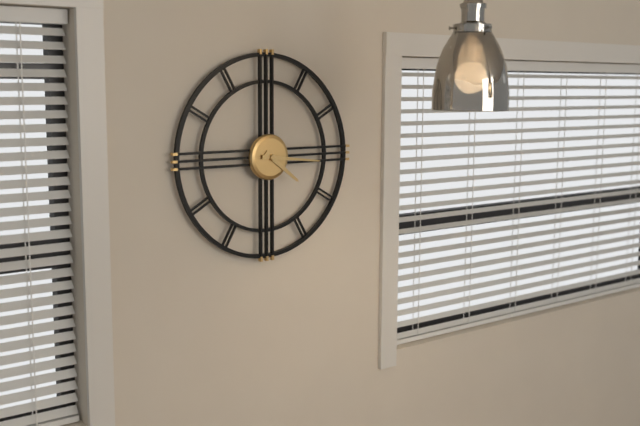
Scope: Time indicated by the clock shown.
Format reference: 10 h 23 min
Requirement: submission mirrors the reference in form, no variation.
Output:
4 h 16 min
